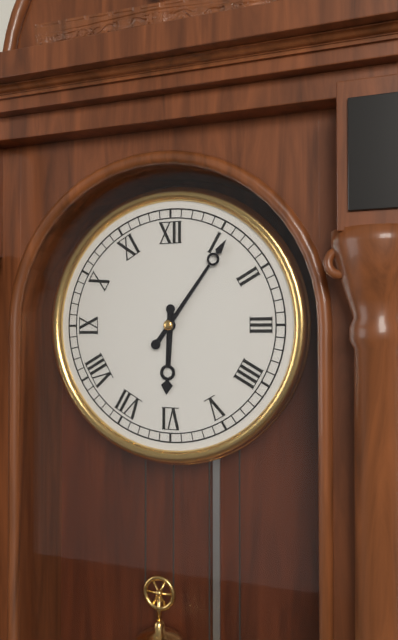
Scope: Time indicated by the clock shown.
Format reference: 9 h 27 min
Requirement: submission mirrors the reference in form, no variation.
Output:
6 h 06 min
